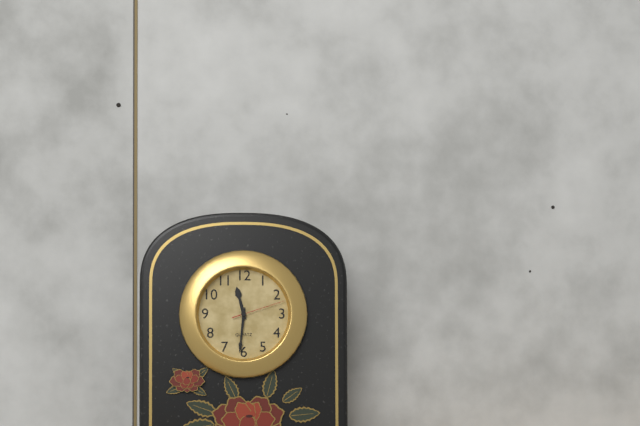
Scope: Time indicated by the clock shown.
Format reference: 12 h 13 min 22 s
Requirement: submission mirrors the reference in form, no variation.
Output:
11 h 31 min 12 s
